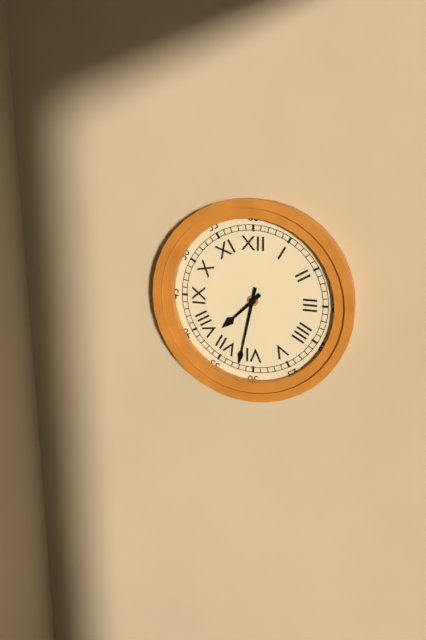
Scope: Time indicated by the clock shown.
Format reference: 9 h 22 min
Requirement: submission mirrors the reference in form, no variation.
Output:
7 h 32 min
